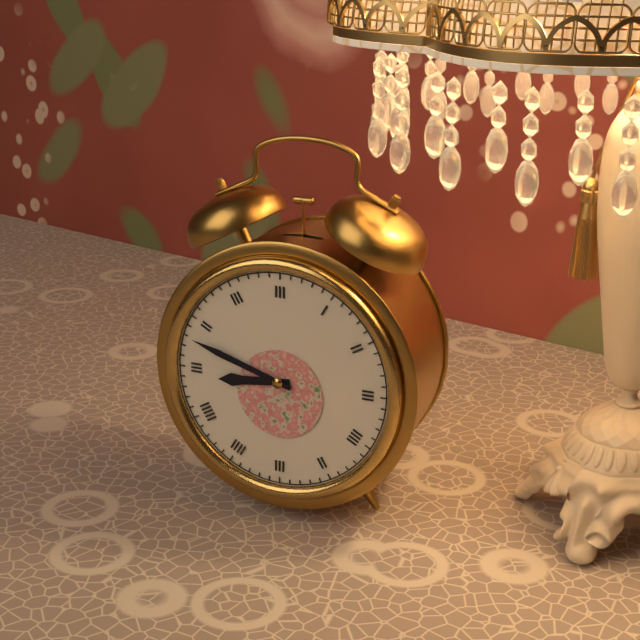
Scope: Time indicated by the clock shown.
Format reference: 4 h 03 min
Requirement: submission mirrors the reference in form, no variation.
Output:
8 h 48 min
